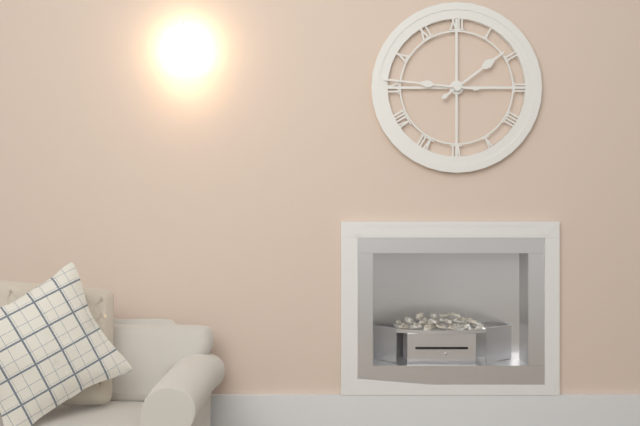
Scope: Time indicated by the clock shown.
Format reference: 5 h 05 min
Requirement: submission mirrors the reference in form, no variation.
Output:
1 h 46 min
